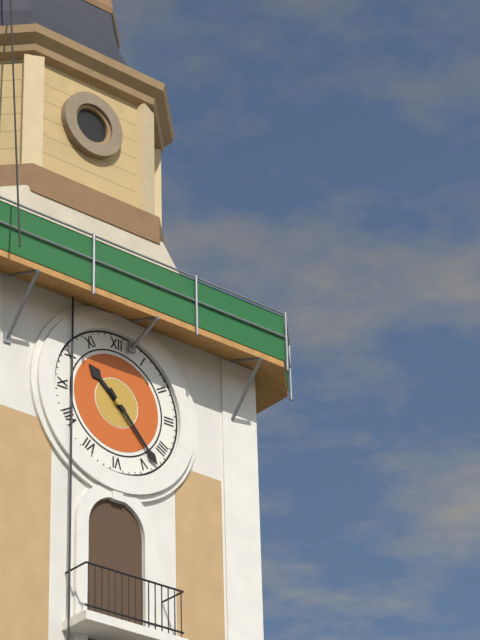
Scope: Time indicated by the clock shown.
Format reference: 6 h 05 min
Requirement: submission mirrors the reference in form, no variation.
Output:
10 h 23 min
